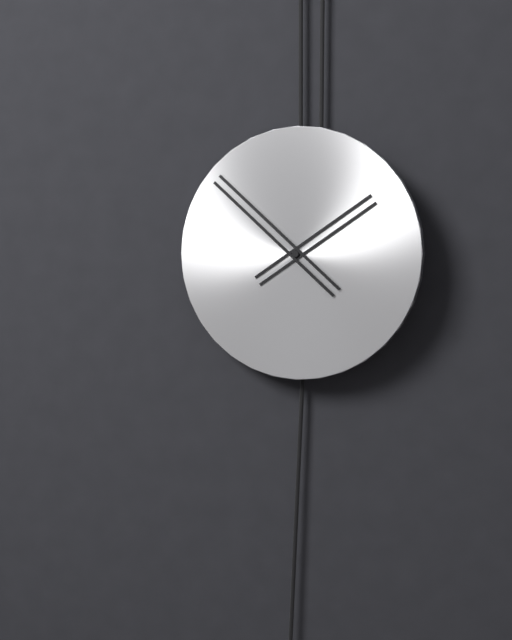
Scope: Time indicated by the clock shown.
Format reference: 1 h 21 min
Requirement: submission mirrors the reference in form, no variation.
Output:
1 h 52 min
